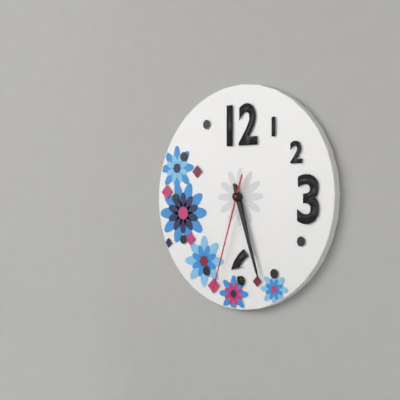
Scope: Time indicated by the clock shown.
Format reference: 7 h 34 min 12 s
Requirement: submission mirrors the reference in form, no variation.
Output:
5 h 27 min 33 s
